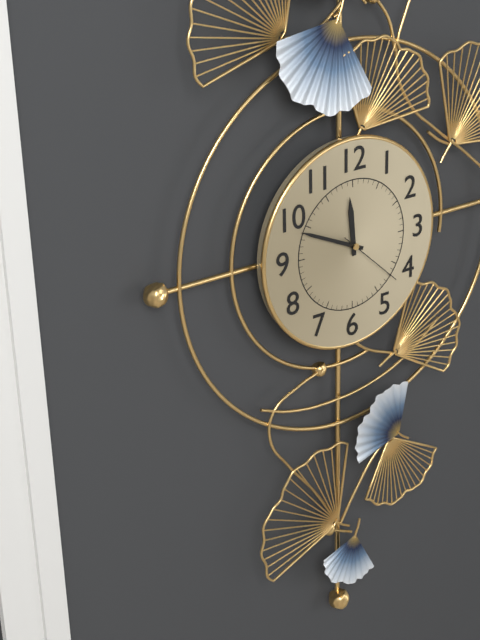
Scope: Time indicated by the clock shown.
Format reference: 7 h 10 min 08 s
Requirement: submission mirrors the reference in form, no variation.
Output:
11 h 49 min 22 s
